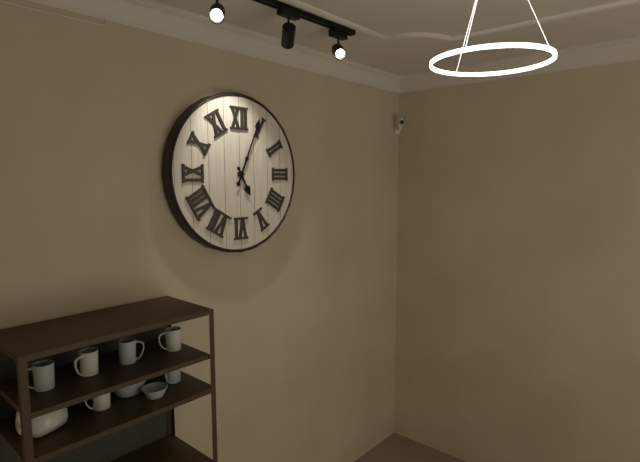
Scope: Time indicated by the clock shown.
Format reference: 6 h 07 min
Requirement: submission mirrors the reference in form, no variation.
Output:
5 h 04 min
